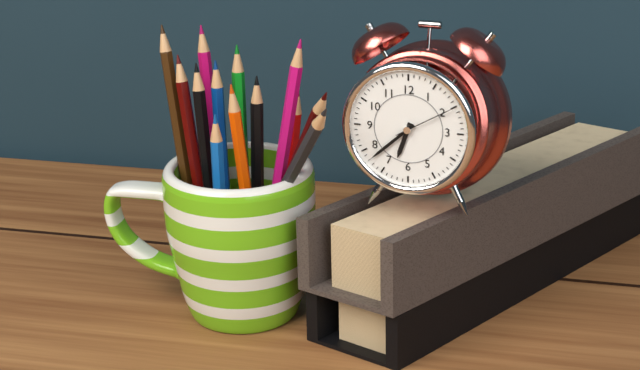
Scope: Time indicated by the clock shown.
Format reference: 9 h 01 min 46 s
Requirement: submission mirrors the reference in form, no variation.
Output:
6 h 38 min 10 s
